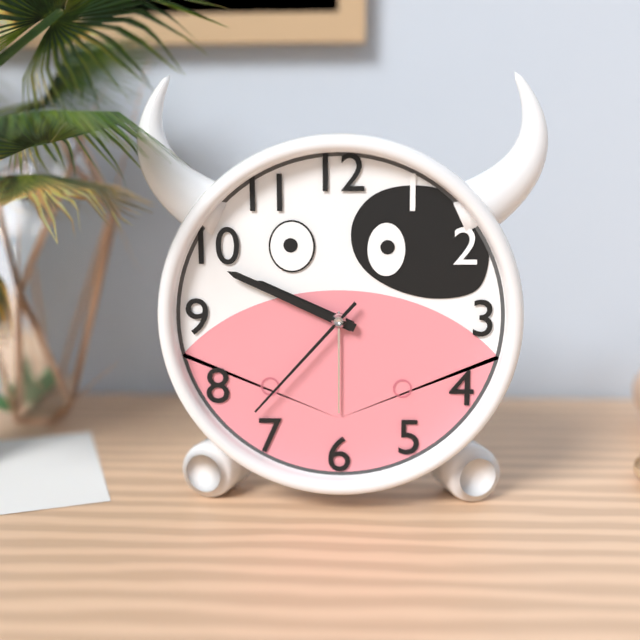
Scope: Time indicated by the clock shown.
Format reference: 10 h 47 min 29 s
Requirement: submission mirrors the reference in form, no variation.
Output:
9 h 49 min 37 s
